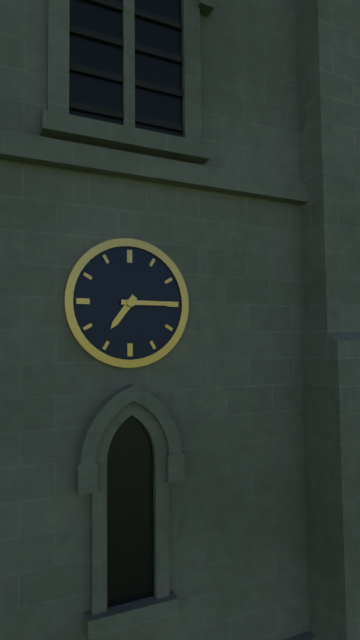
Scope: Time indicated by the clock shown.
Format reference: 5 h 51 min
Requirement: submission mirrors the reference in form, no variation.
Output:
7 h 15 min
